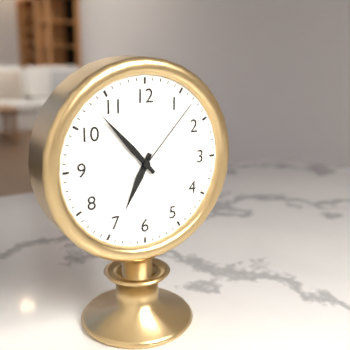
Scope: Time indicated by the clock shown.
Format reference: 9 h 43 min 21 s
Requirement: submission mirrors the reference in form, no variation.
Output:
6 h 53 min 07 s
